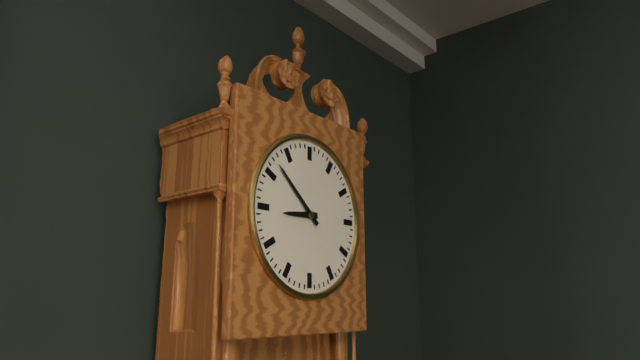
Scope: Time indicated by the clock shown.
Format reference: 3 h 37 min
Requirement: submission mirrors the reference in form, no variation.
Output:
8 h 52 min
